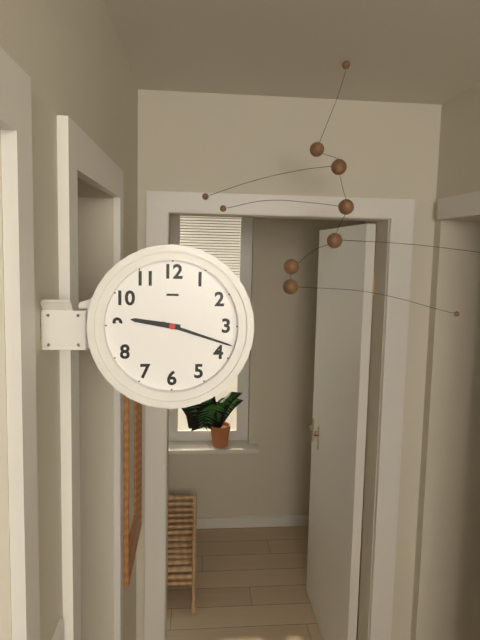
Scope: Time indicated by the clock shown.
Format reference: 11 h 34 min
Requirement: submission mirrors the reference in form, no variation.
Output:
9 h 18 min
